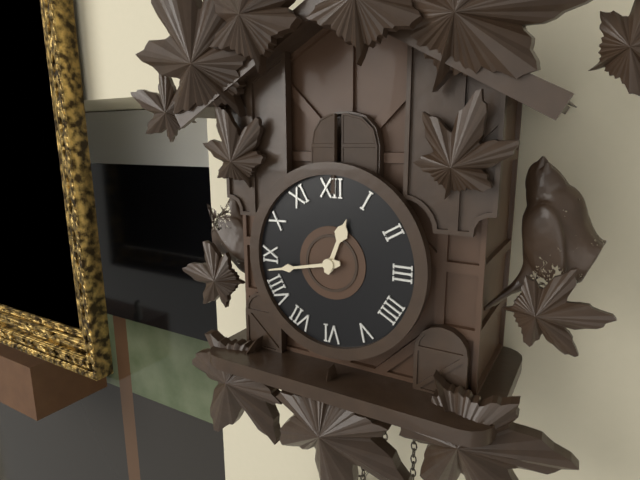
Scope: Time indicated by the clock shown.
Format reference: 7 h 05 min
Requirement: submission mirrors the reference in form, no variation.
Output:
12 h 43 min
